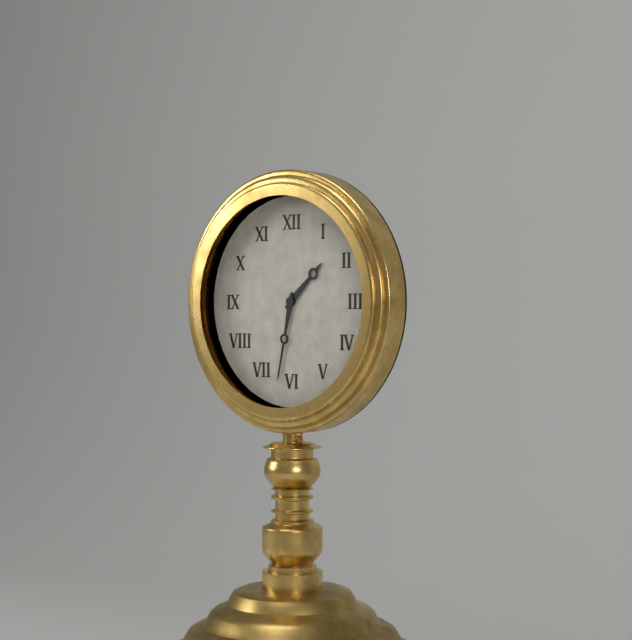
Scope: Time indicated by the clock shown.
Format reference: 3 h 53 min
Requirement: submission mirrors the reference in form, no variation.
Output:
1 h 32 min
